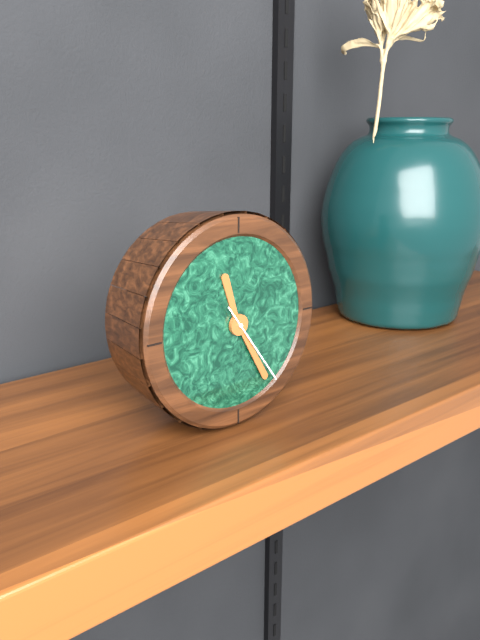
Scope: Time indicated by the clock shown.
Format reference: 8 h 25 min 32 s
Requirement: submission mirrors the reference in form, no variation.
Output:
11 h 25 min 24 s
